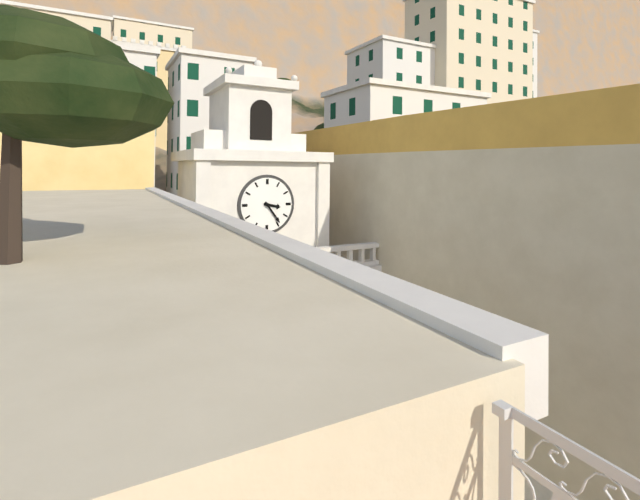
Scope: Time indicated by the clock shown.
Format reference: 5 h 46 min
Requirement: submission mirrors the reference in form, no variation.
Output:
3 h 24 min
